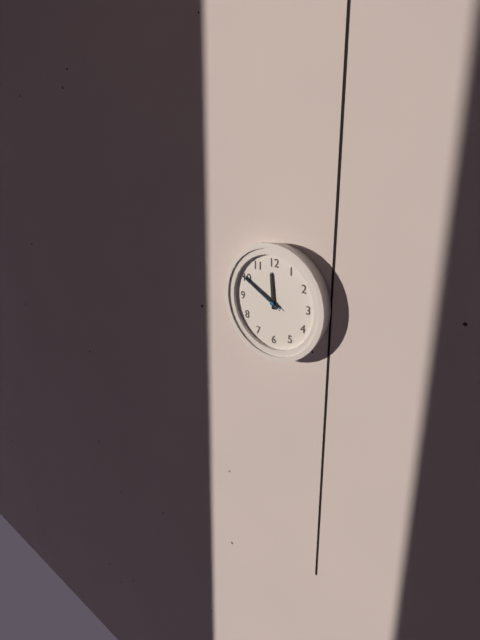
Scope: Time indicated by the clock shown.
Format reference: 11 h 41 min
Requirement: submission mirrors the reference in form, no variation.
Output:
11 h 50 min
